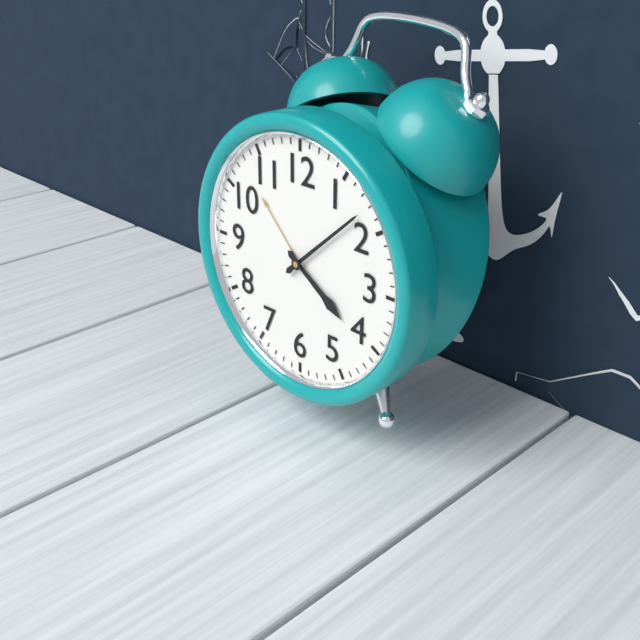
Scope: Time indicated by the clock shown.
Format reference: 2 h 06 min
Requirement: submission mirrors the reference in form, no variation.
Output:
4 h 08 min
